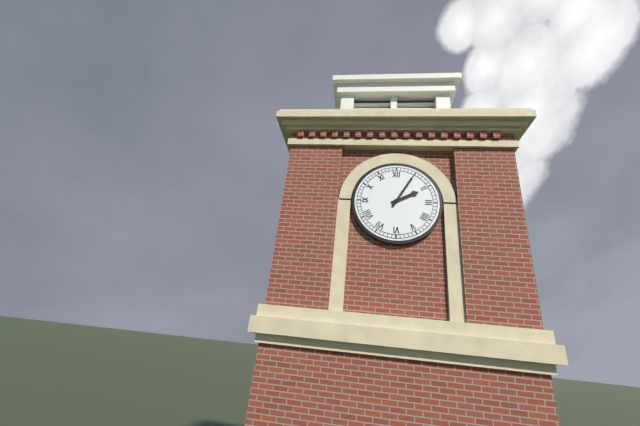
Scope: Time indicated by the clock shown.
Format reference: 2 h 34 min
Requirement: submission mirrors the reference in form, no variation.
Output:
2 h 05 min
